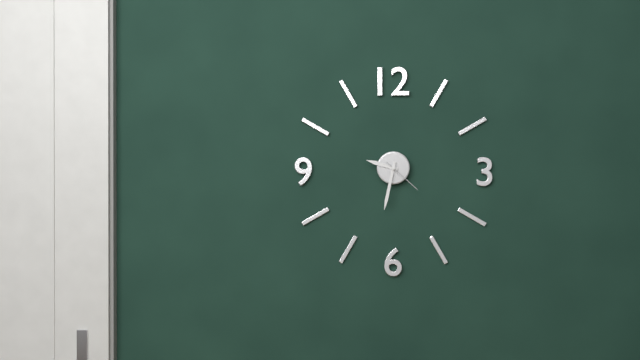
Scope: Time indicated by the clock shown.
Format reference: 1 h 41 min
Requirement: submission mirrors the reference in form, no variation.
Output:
9 h 32 min
